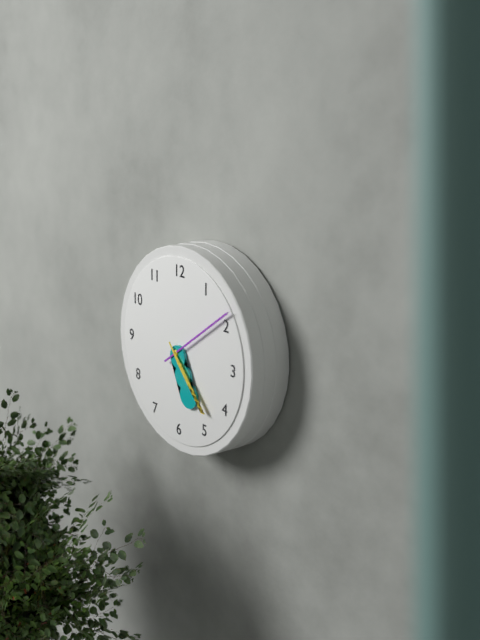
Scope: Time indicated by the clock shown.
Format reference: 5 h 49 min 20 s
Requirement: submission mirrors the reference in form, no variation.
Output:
5 h 09 min 23 s
